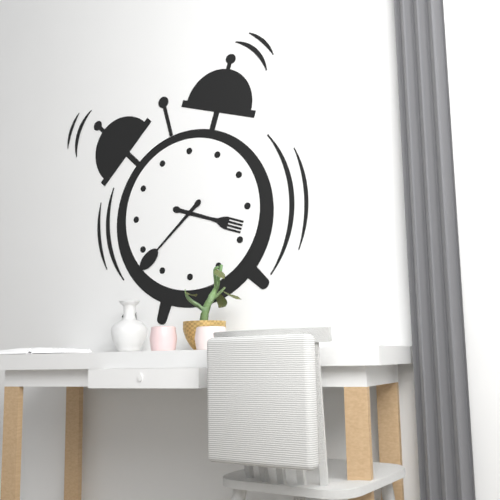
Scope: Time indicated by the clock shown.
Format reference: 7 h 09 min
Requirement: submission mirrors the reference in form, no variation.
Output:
3 h 38 min
